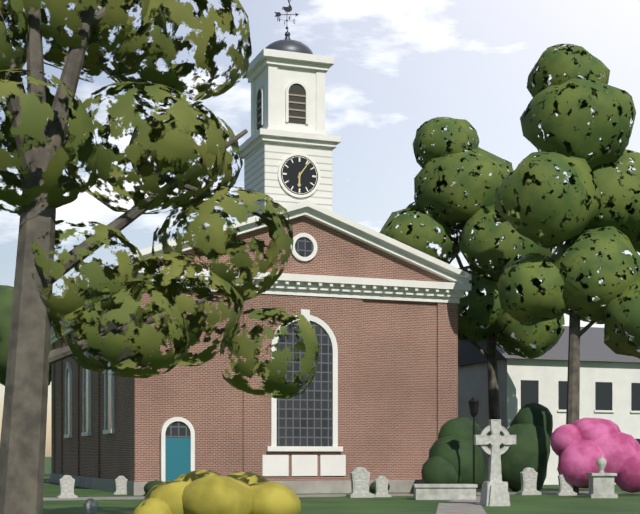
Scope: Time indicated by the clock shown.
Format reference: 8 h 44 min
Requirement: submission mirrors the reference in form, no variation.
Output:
6 h 06 min
